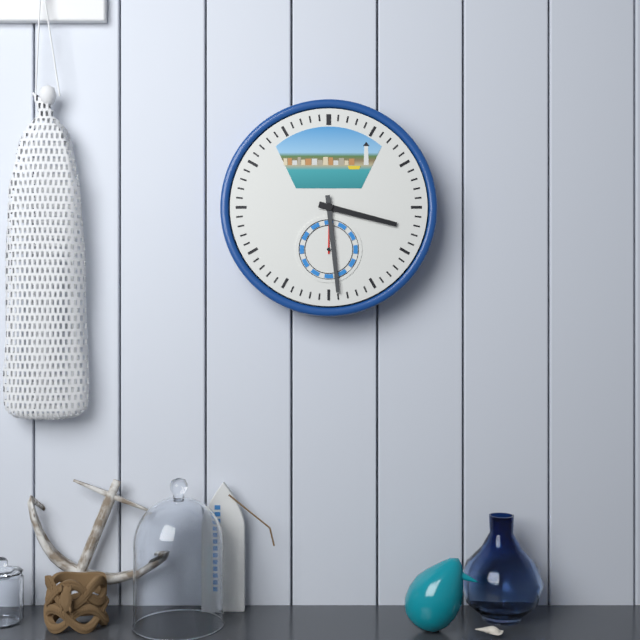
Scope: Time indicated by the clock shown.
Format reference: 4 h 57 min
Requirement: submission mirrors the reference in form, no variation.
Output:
3 h 29 min
